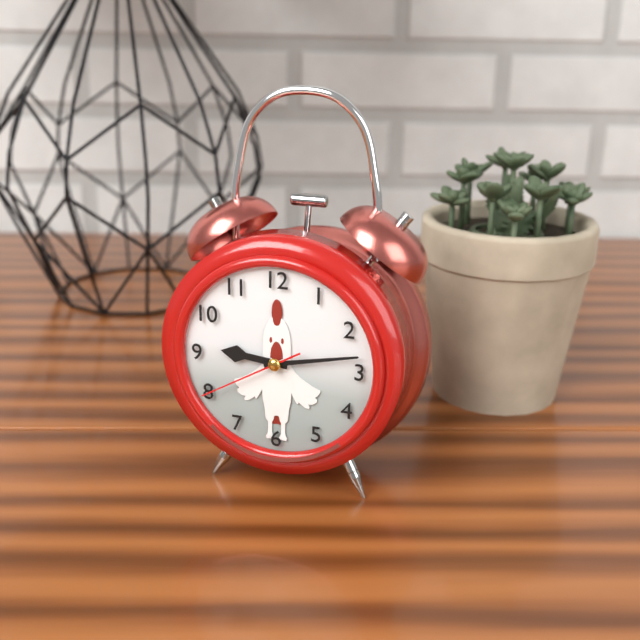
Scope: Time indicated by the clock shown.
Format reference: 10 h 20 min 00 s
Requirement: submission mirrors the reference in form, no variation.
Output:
9 h 13 min 40 s
